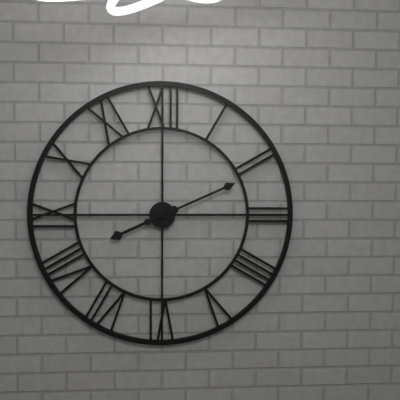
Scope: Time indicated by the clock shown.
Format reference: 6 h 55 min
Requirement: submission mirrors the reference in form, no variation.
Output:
8 h 11 min
